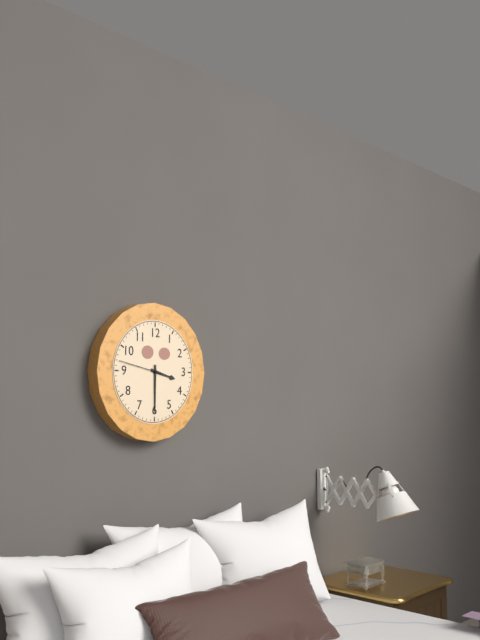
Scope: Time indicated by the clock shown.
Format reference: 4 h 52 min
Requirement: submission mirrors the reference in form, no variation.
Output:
3 h 30 min
